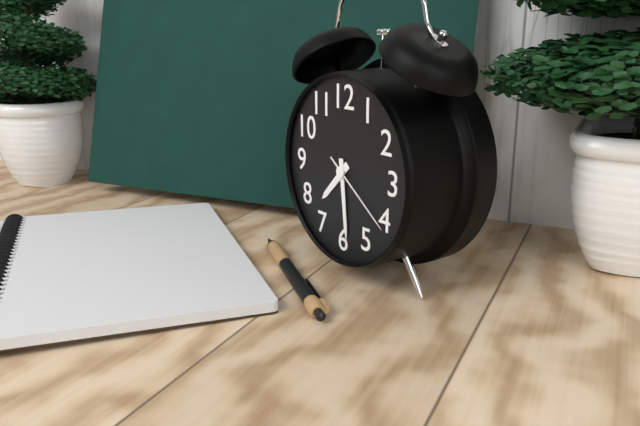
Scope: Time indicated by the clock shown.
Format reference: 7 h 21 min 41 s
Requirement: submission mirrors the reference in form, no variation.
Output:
7 h 29 min 21 s
